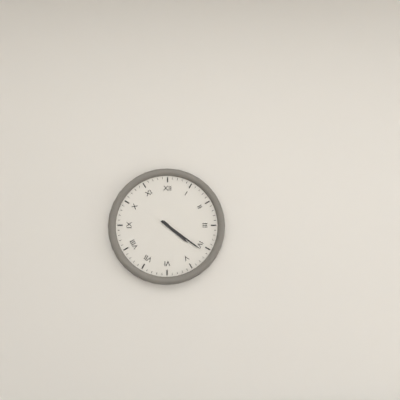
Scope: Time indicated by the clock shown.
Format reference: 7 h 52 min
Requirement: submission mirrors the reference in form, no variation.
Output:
4 h 21 min
